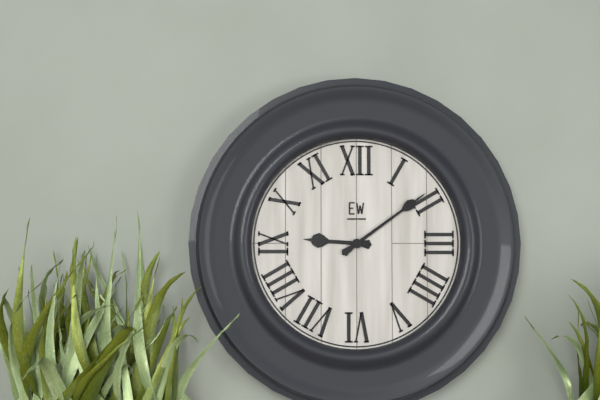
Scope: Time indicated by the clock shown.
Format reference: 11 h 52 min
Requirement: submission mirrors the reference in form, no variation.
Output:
9 h 09 min
